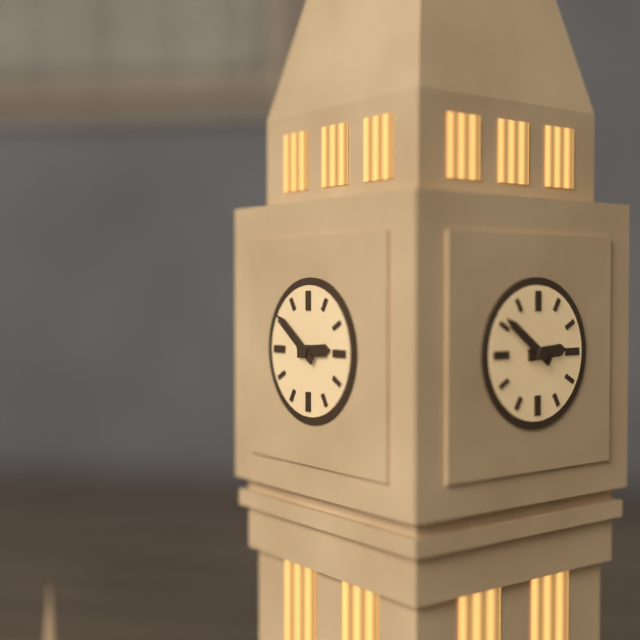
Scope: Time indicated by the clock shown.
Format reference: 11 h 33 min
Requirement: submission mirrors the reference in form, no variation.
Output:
2 h 51 min
